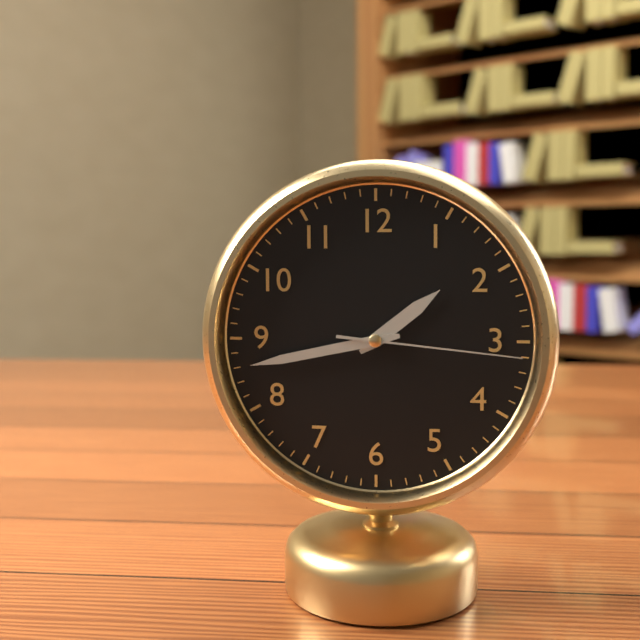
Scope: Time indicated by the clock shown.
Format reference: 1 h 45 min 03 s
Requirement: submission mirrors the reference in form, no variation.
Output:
1 h 43 min 16 s
